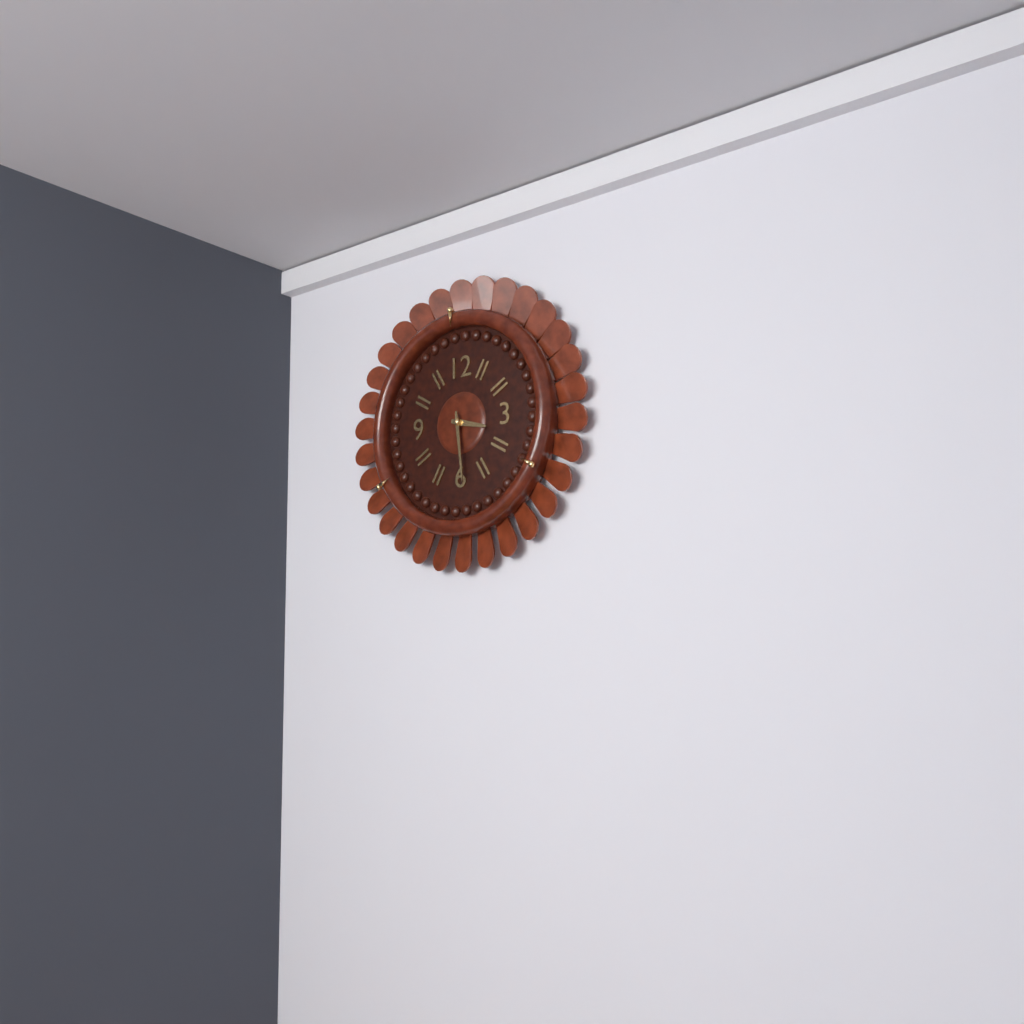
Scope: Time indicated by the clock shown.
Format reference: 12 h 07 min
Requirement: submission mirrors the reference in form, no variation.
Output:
3 h 29 min
